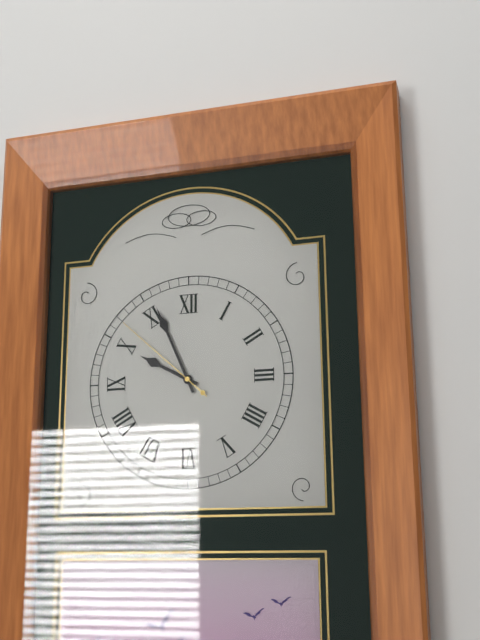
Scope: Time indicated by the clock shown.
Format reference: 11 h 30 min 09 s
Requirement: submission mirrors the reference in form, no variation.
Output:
9 h 56 min 52 s
